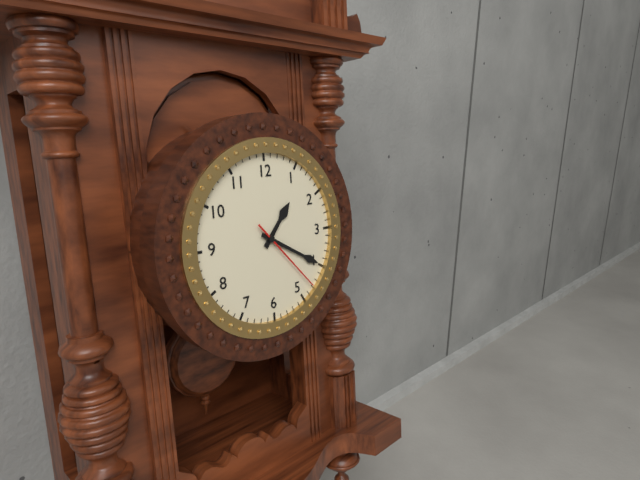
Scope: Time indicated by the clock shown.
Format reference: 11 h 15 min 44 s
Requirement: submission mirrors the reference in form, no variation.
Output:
1 h 20 min 23 s
